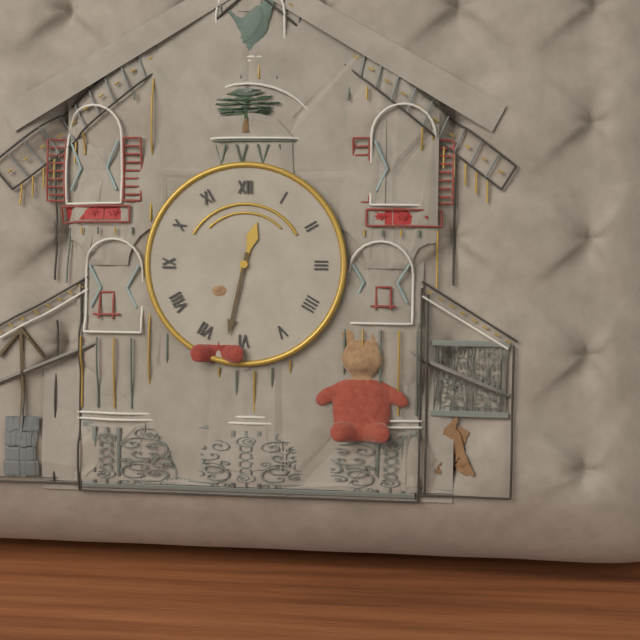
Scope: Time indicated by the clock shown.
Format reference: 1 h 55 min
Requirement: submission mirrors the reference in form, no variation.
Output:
12 h 32 min
